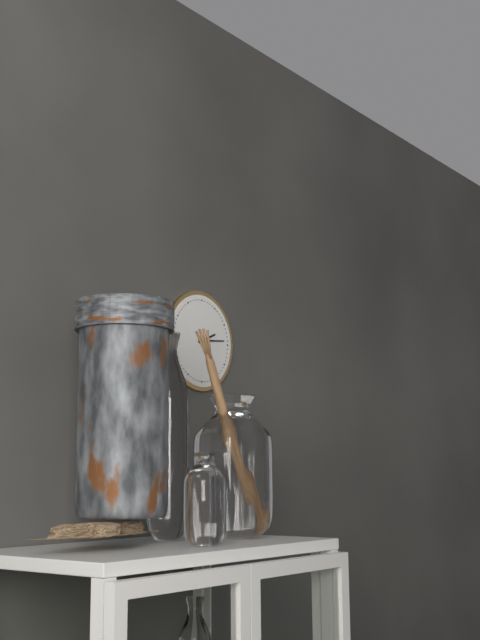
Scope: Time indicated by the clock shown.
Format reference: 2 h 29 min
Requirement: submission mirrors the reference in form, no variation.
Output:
2 h 14 min
